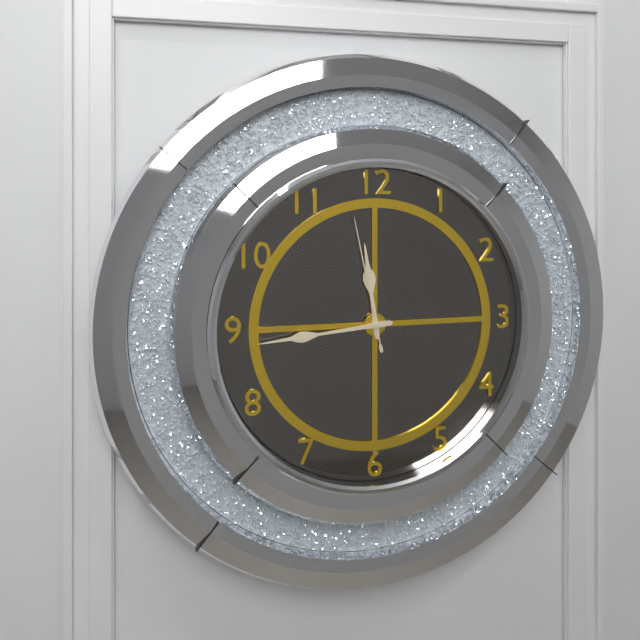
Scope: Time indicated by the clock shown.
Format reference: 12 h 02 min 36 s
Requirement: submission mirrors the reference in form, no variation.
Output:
11 h 44 min 58 s
